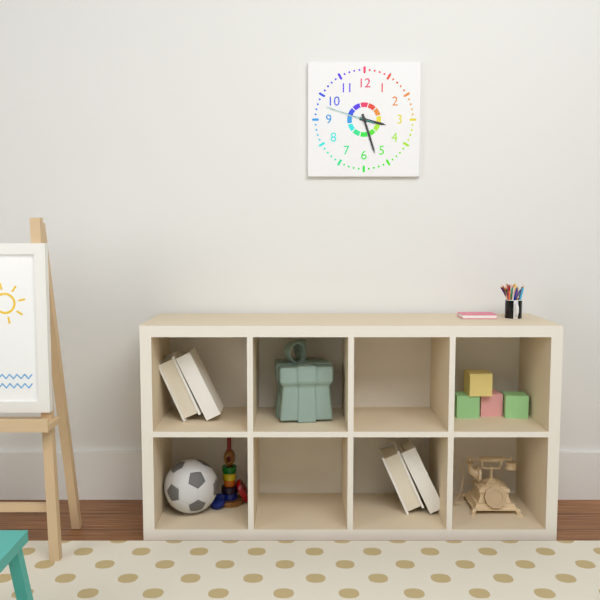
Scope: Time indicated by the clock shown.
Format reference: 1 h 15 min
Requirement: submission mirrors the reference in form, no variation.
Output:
3 h 27 min
